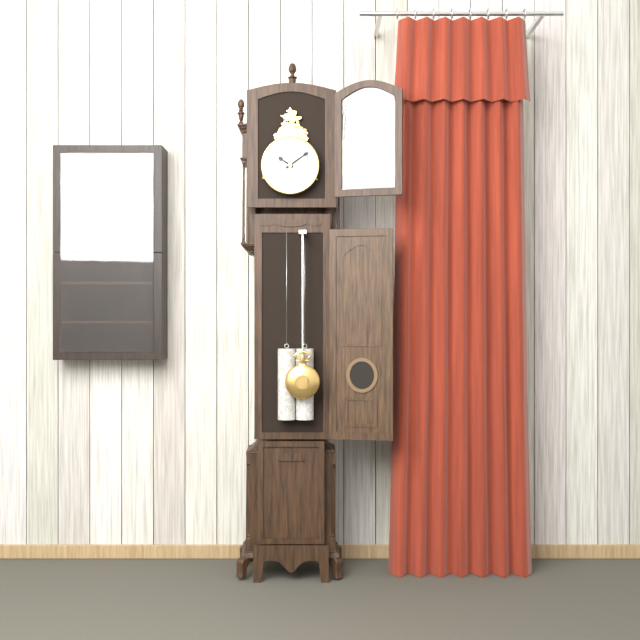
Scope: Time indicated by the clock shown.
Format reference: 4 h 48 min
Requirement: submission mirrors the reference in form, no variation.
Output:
10 h 09 min
